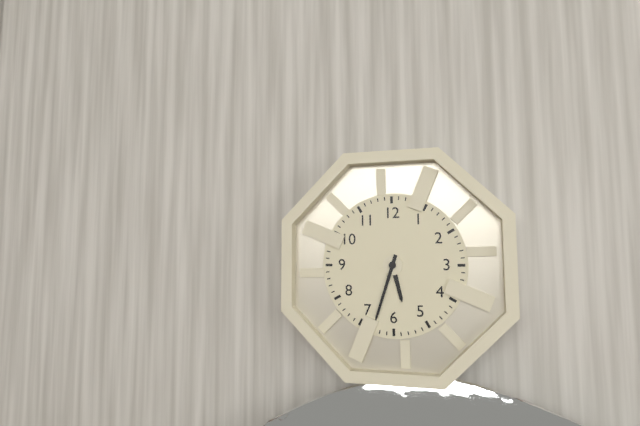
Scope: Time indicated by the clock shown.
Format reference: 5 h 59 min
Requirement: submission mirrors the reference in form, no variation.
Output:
5 h 33 min
